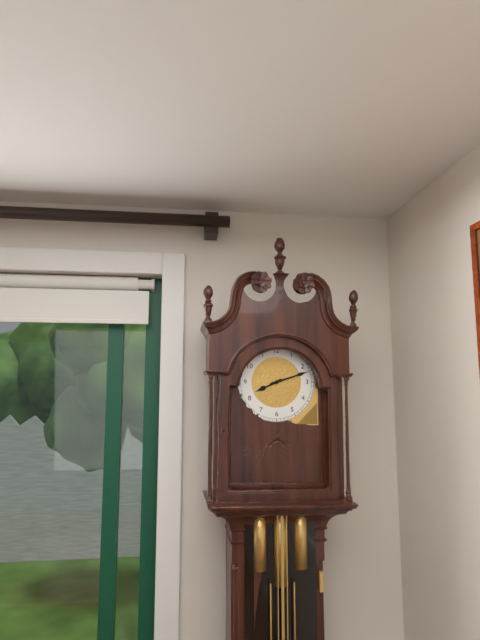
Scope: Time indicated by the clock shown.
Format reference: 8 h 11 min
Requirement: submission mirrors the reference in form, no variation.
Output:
8 h 12 min
